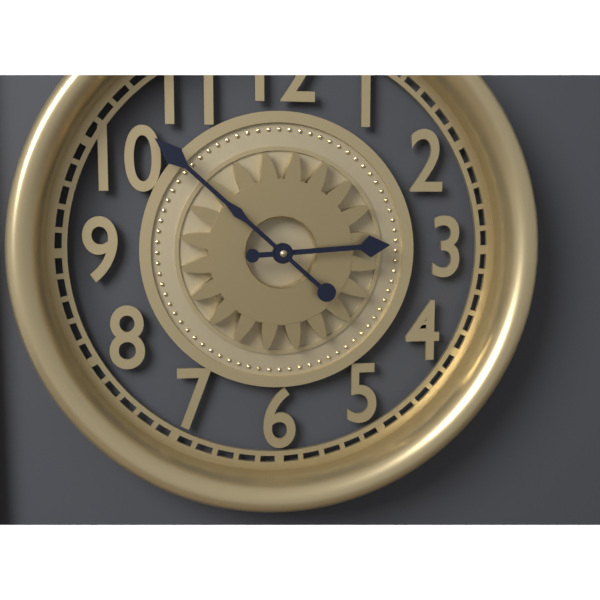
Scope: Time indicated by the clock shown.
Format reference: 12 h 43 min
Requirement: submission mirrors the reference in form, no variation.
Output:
2 h 52 min
